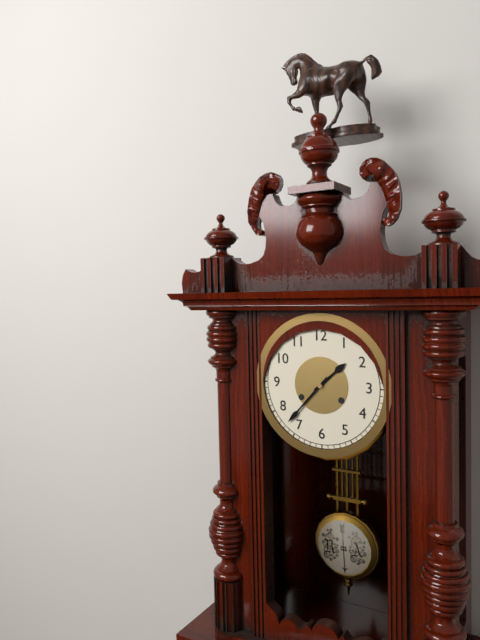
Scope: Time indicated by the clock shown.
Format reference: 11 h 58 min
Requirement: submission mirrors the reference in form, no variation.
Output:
1 h 37 min
